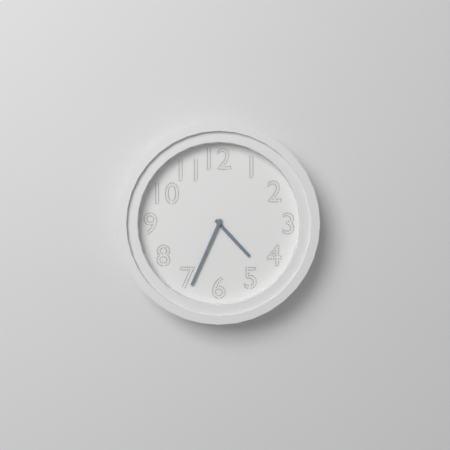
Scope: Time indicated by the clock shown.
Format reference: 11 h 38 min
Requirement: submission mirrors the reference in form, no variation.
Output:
4 h 34 min
